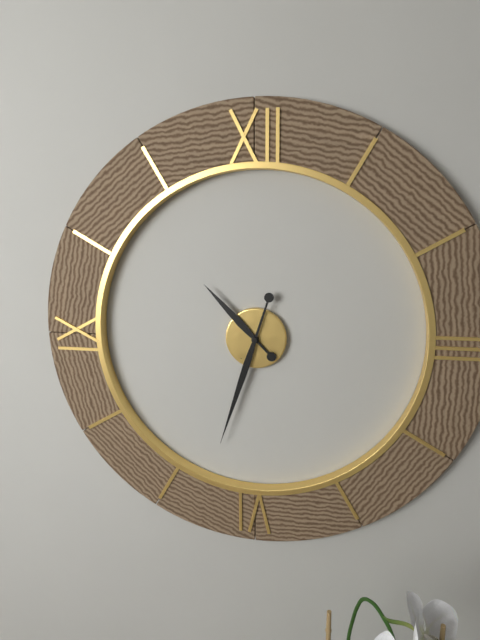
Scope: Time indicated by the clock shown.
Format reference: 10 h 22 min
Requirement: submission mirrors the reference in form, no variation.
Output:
10 h 33 min
